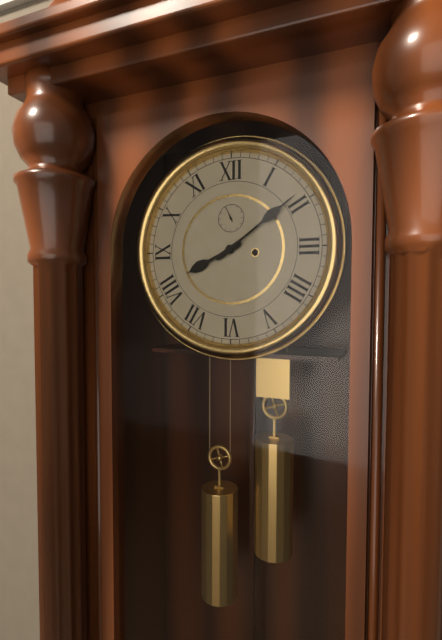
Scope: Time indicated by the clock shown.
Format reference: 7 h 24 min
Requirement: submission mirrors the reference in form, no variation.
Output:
8 h 09 min
